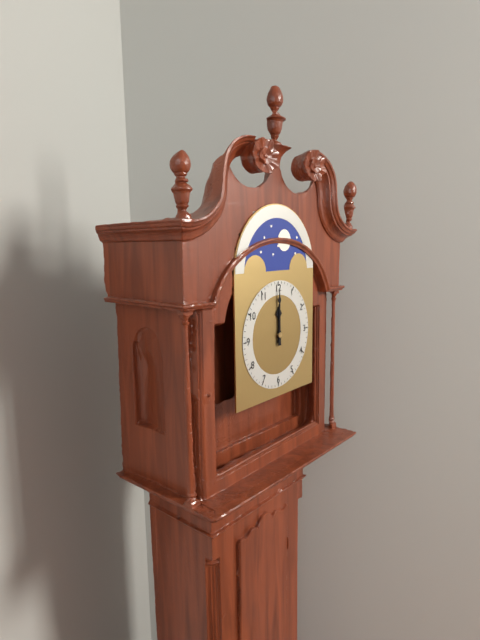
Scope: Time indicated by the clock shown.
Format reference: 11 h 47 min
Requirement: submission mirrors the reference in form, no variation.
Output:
12 h 00 min
